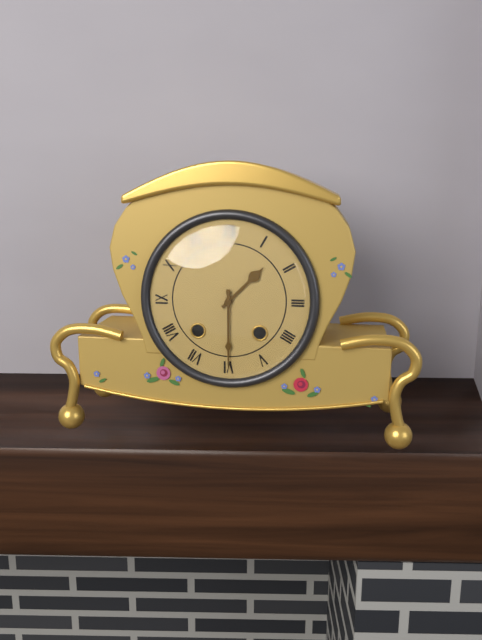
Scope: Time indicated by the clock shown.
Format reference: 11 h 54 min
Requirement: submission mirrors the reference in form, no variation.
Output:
1 h 30 min
